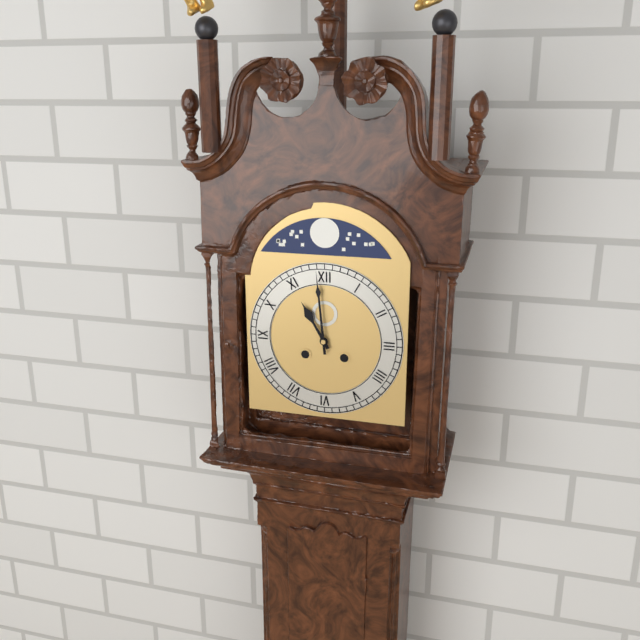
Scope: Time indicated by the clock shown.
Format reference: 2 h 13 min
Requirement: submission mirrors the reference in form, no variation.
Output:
10 h 59 min
